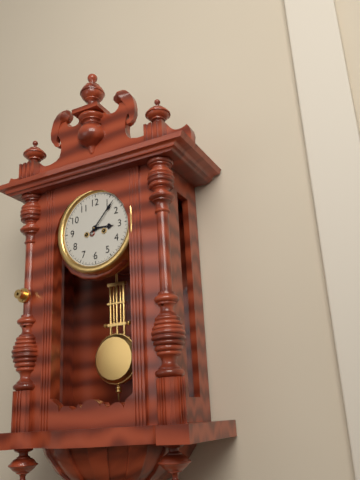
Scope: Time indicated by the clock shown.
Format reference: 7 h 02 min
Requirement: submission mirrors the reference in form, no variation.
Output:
3 h 07 min
